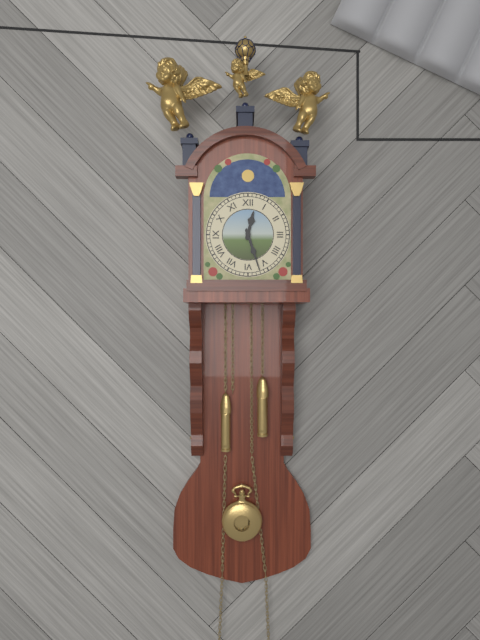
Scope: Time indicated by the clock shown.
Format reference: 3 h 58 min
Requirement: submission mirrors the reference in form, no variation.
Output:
12 h 27 min
